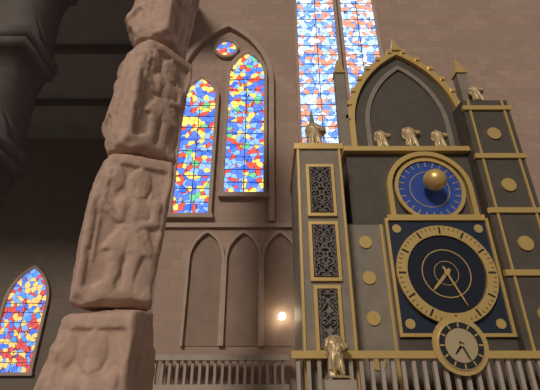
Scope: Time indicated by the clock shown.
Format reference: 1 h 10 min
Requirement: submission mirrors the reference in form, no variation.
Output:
7 h 26 min
